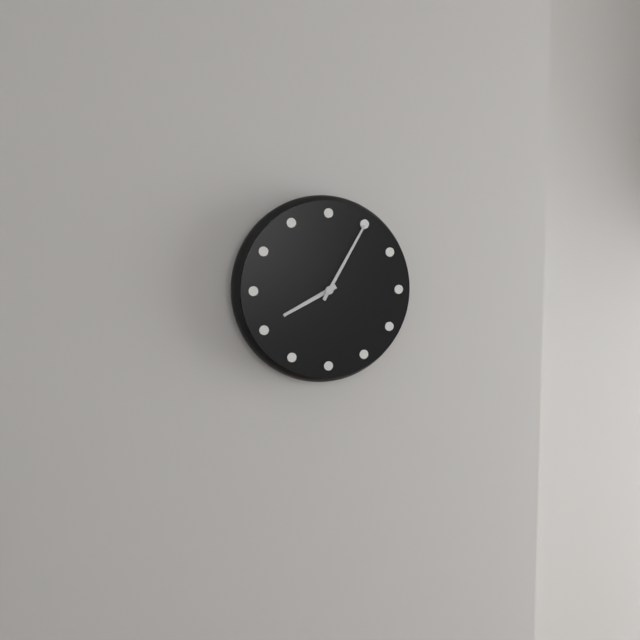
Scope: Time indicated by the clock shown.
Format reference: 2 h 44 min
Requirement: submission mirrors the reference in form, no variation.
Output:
8 h 05 min
